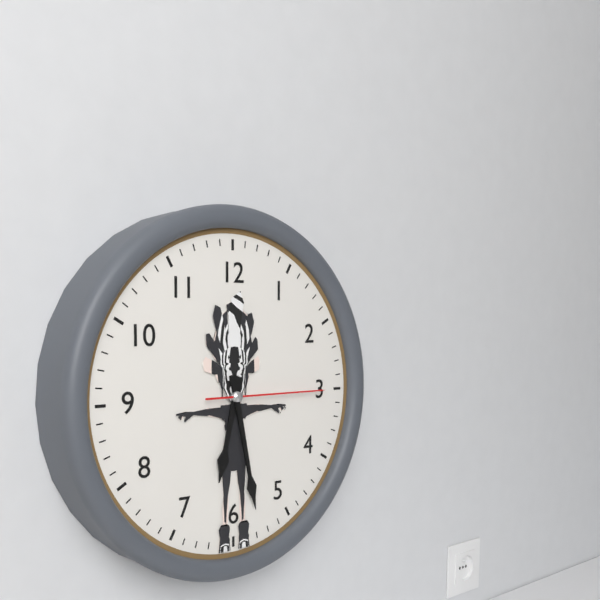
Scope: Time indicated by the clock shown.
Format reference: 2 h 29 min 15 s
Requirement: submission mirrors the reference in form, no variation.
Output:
6 h 28 min 15 s
